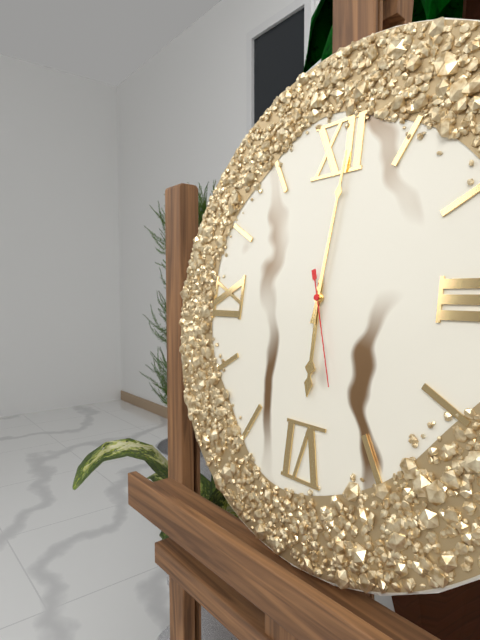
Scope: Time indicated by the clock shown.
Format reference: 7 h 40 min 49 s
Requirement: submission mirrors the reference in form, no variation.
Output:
6 h 01 min 27 s
